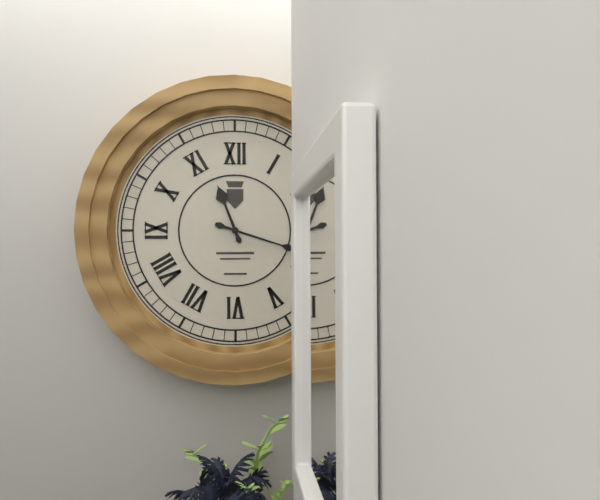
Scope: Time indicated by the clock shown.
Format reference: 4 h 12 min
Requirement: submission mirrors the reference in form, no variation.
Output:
11 h 18 min
